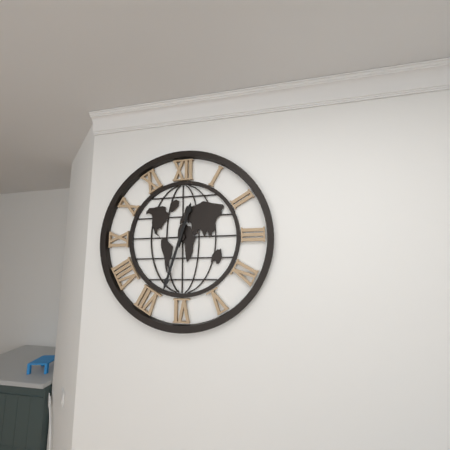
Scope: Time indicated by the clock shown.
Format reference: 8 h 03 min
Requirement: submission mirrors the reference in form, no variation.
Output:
12 h 33 min
